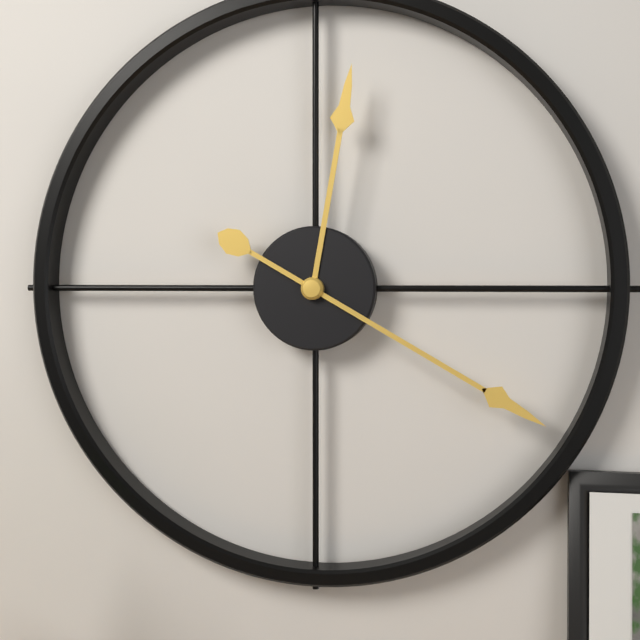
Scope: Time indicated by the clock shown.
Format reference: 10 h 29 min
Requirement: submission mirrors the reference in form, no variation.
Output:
12 h 20 min
